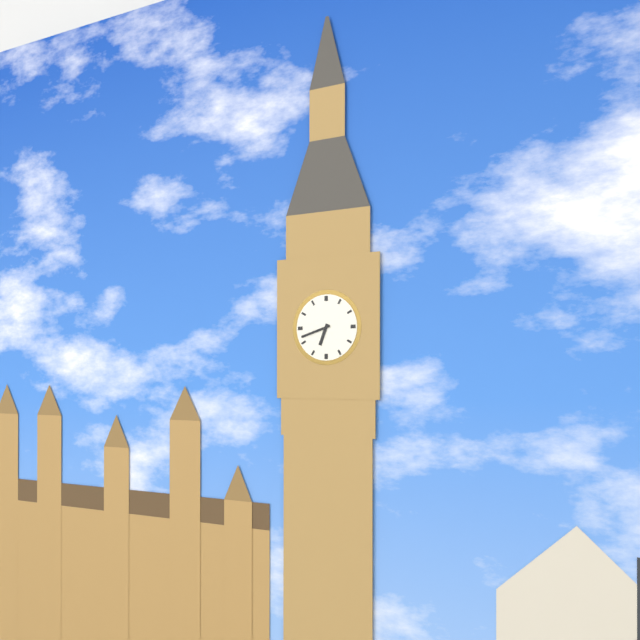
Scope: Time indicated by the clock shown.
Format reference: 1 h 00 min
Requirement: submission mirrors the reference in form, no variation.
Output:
6 h 42 min
